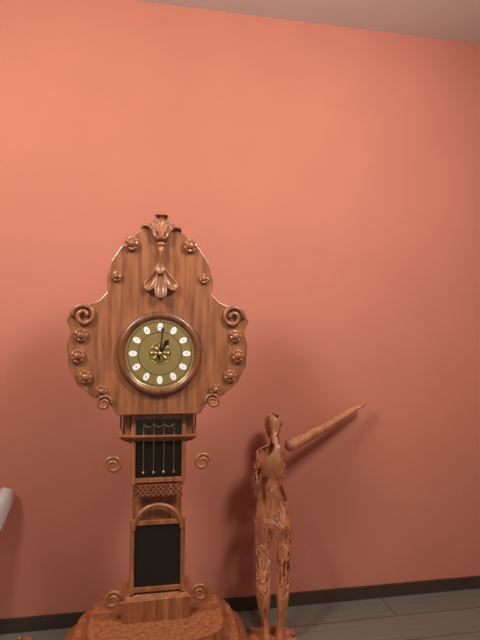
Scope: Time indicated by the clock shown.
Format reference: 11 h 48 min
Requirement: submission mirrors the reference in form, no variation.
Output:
1 h 01 min
